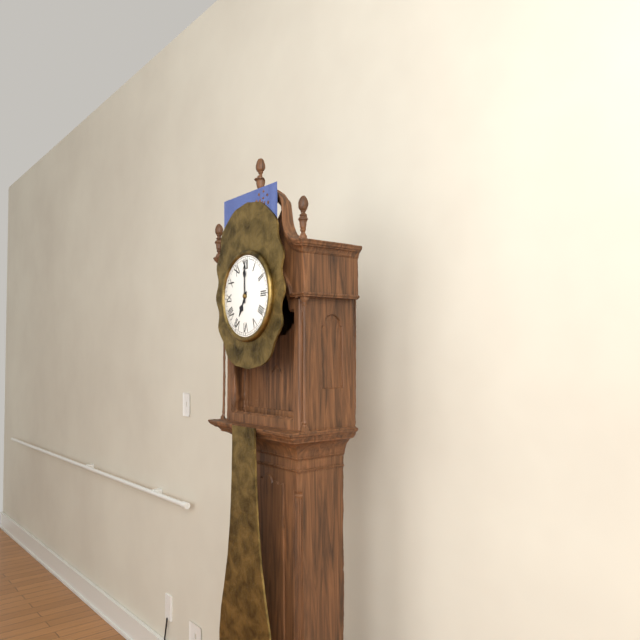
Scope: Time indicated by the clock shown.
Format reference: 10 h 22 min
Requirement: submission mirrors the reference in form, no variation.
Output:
7 h 00 min
